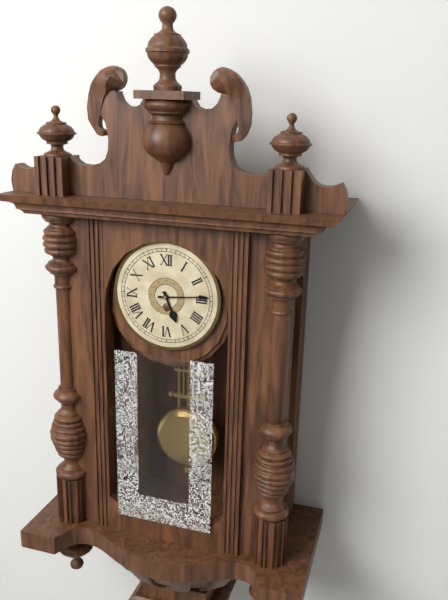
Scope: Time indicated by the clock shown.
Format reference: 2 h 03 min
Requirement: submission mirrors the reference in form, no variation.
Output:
5 h 14 min
